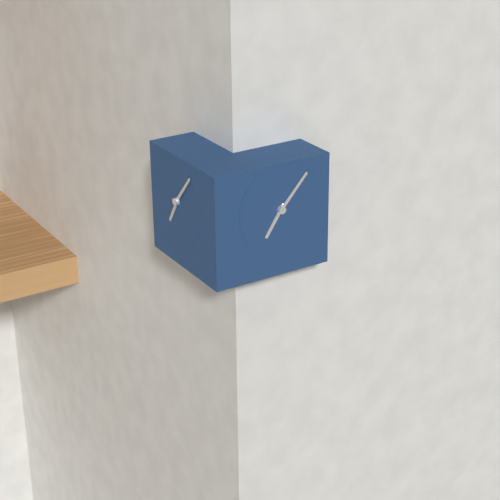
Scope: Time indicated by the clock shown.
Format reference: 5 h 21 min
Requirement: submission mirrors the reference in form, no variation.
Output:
7 h 07 min
